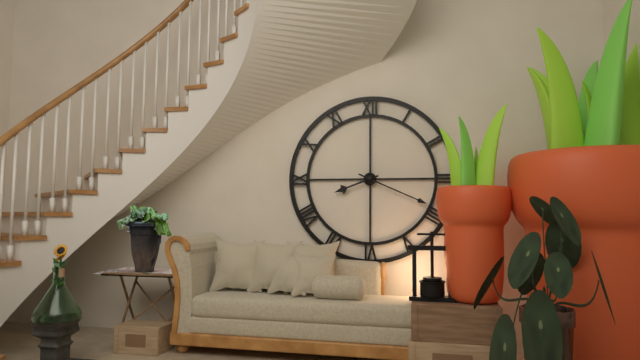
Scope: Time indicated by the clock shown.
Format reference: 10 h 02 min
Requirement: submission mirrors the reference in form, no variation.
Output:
8 h 19 min
